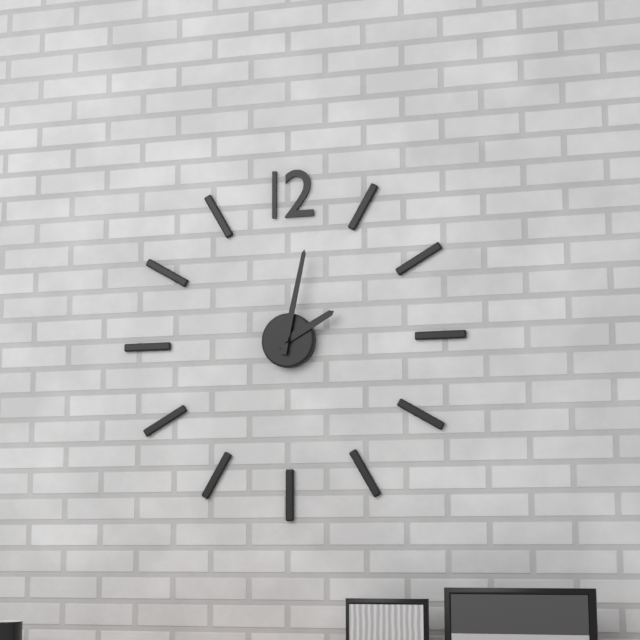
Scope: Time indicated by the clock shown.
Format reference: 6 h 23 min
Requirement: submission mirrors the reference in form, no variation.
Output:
2 h 02 min
